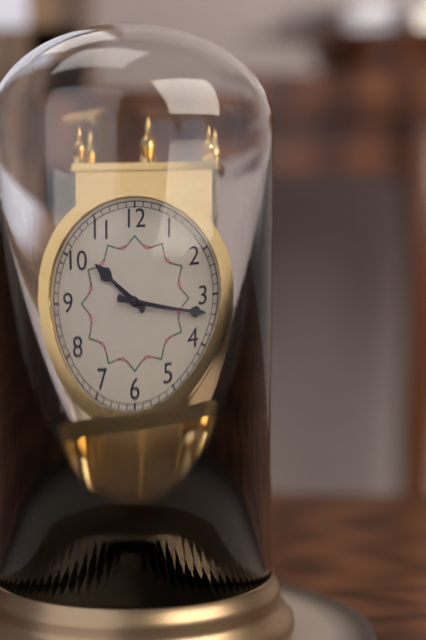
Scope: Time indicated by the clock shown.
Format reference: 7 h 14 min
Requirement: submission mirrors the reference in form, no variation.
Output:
10 h 17 min
